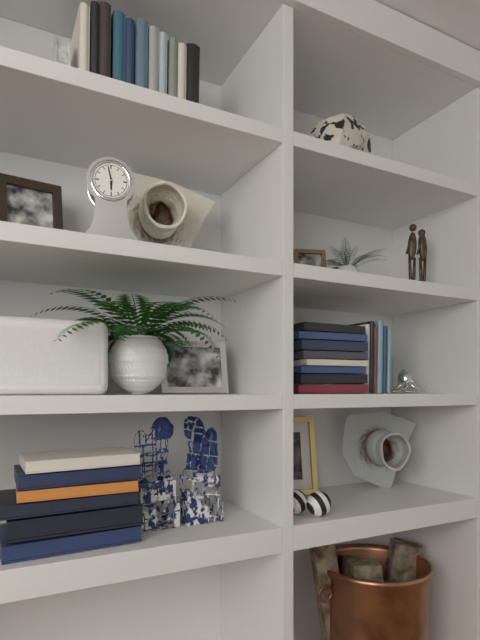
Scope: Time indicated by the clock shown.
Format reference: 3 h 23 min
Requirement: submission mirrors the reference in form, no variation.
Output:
5 h 58 min
